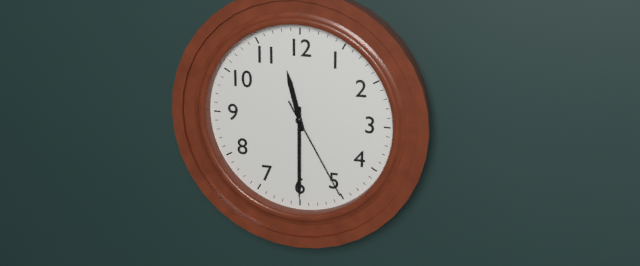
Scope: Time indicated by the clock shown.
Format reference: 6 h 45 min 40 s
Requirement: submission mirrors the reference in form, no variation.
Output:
11 h 30 min 25 s
